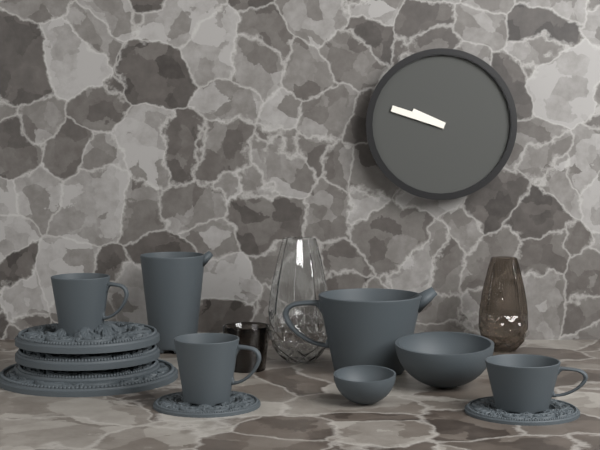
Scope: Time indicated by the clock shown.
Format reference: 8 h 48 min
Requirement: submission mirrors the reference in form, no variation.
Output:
9 h 48 min
